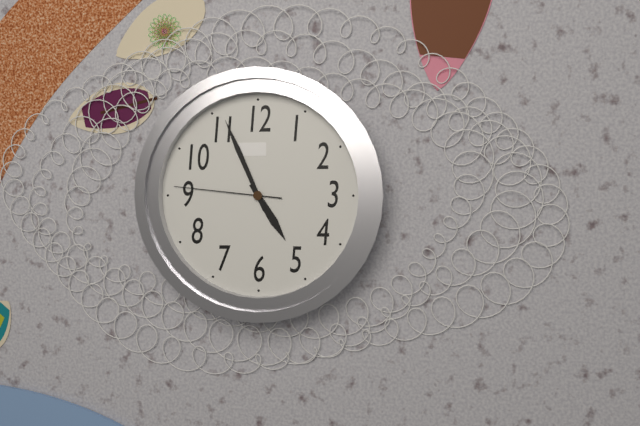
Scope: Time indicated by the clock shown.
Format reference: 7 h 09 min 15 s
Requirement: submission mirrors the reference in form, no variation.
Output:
4 h 56 min 46 s
